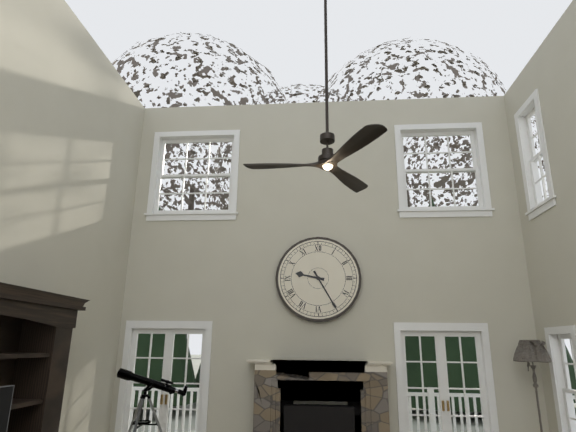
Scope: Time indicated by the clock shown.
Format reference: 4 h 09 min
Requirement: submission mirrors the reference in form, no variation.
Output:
9 h 25 min
